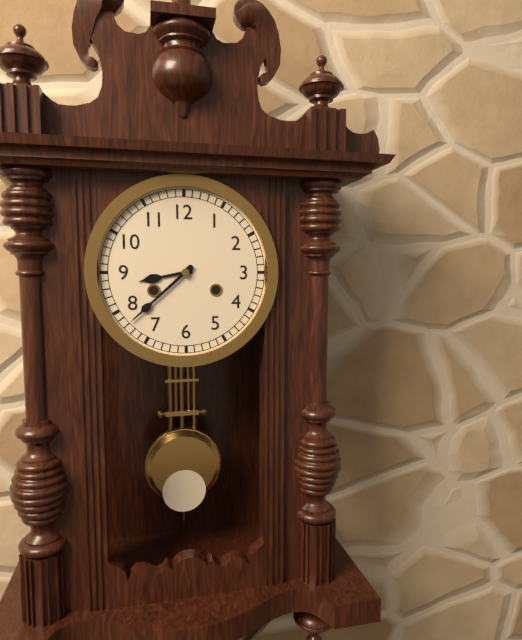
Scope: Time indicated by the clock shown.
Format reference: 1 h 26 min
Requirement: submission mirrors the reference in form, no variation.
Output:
8 h 38 min
